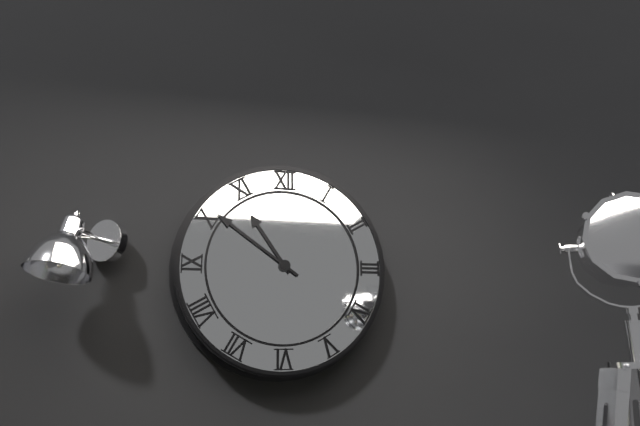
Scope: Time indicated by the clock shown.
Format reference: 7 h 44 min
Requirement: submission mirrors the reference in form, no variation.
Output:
10 h 51 min
